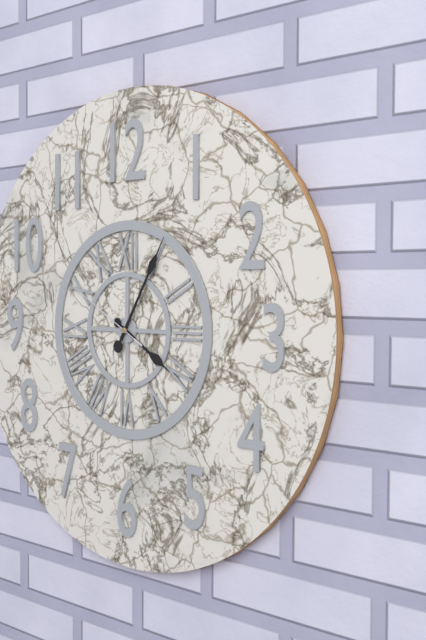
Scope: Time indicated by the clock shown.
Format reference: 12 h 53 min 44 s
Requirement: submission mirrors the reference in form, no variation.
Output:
4 h 05 min 50 s
